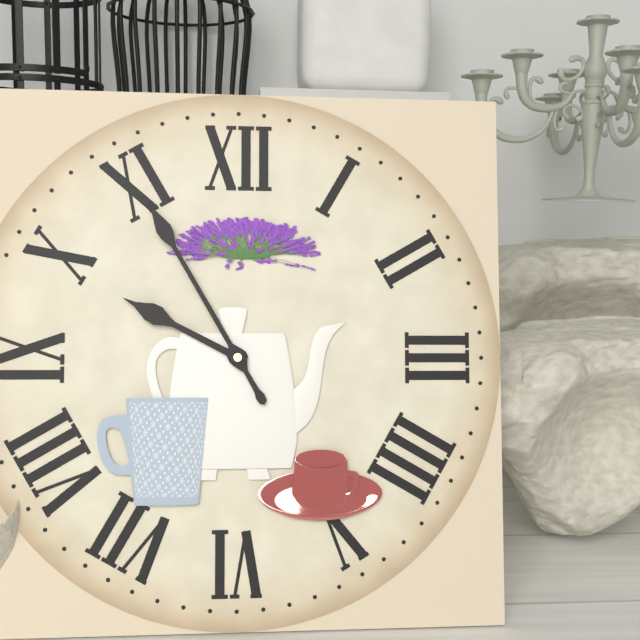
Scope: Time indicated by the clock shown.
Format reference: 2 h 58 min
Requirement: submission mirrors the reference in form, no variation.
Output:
9 h 55 min
